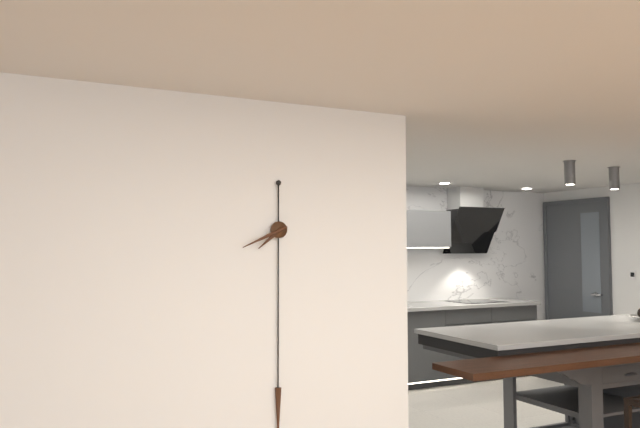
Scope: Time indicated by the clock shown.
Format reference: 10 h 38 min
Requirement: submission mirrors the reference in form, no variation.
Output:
7 h 41 min
